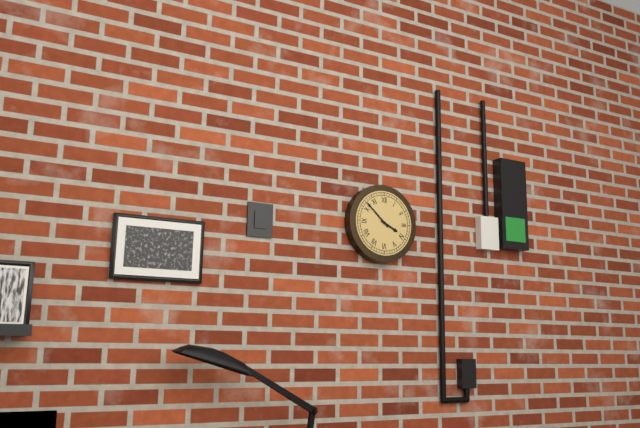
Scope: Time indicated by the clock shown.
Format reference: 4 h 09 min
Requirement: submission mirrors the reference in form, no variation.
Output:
3 h 52 min
